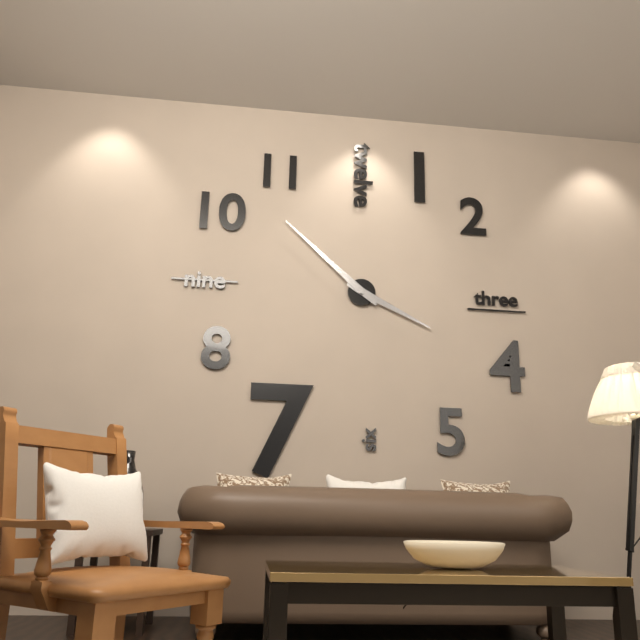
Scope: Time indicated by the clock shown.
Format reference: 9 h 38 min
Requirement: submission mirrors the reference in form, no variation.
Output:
3 h 52 min
